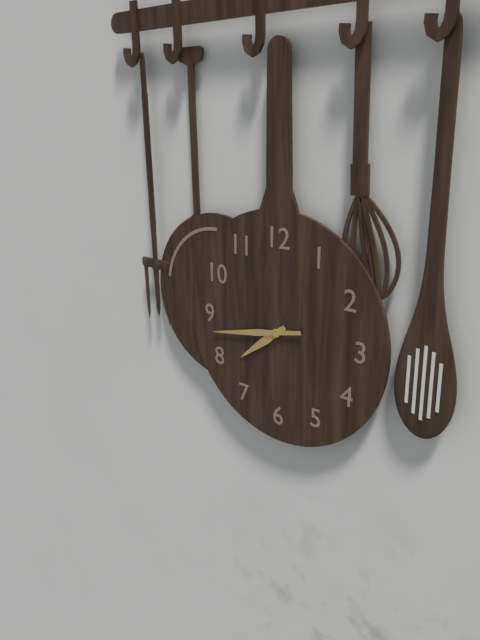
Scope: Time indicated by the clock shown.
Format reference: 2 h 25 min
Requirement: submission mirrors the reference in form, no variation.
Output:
7 h 43 min
